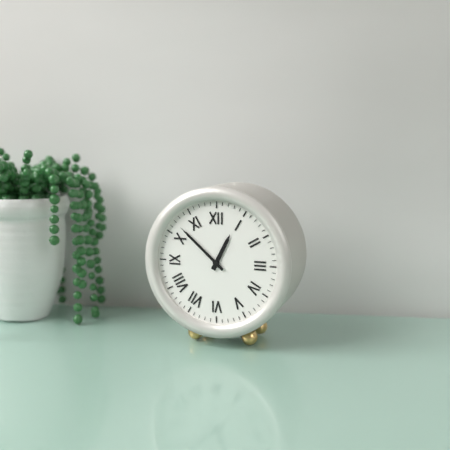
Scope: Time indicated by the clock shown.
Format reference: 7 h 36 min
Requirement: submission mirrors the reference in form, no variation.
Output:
12 h 52 min
